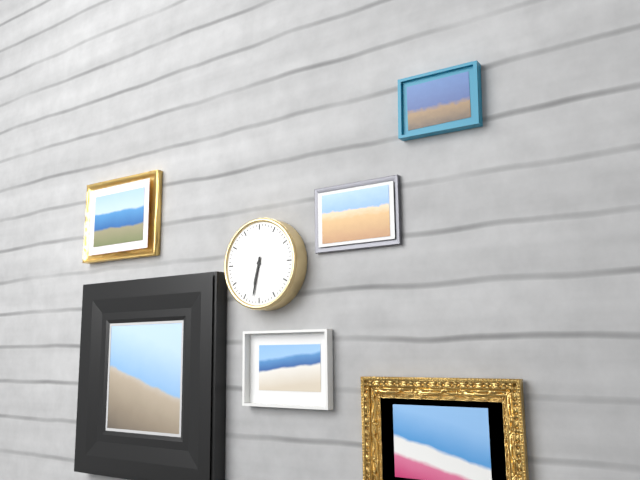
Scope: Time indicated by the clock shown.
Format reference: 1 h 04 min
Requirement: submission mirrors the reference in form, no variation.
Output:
6 h 32 min
